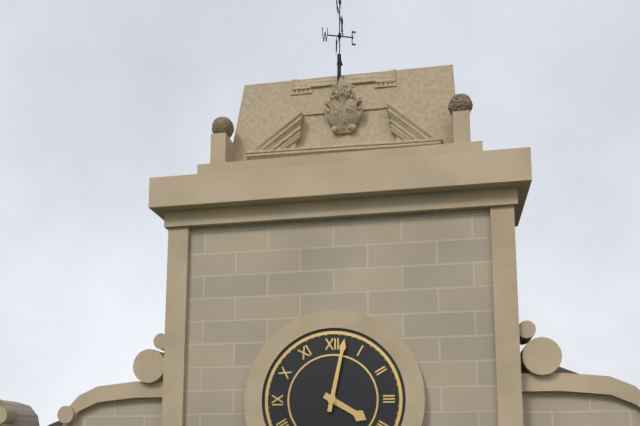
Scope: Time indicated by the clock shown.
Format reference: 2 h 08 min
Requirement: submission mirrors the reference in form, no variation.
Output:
4 h 02 min
